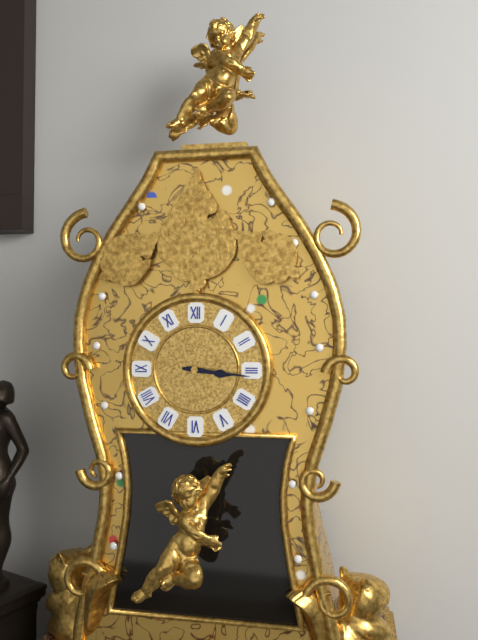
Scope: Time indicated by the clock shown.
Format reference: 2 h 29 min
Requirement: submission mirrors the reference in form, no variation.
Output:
3 h 16 min
